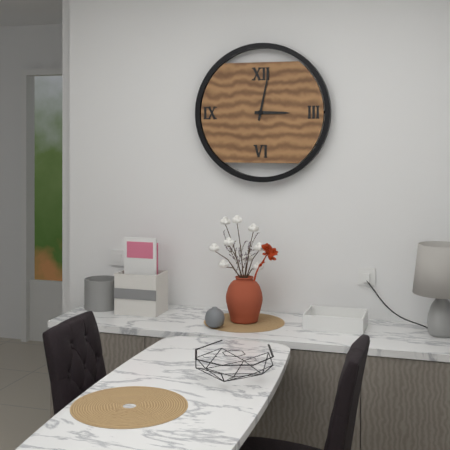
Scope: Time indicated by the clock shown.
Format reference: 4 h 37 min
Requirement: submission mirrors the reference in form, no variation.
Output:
3 h 02 min
